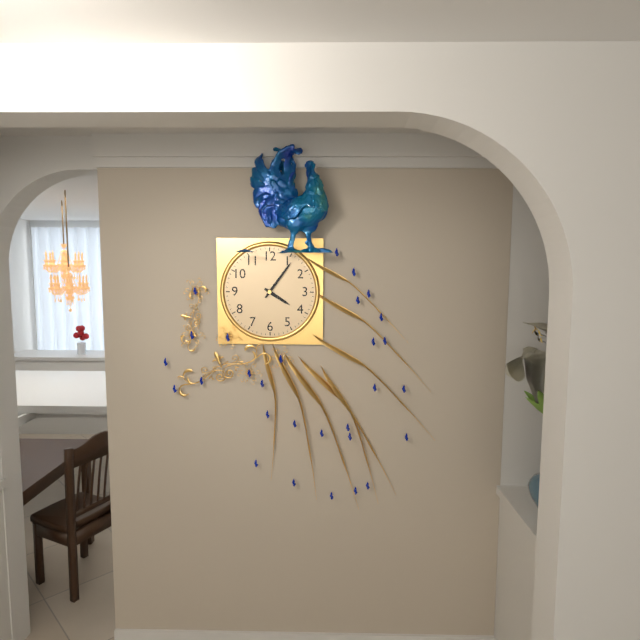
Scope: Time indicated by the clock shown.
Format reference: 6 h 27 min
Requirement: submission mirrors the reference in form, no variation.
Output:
4 h 06 min
